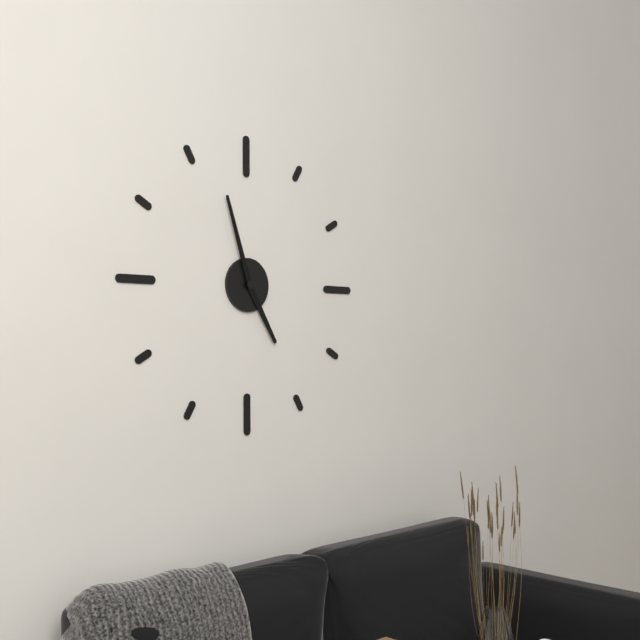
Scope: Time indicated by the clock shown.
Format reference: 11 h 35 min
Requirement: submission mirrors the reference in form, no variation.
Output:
4 h 57 min
